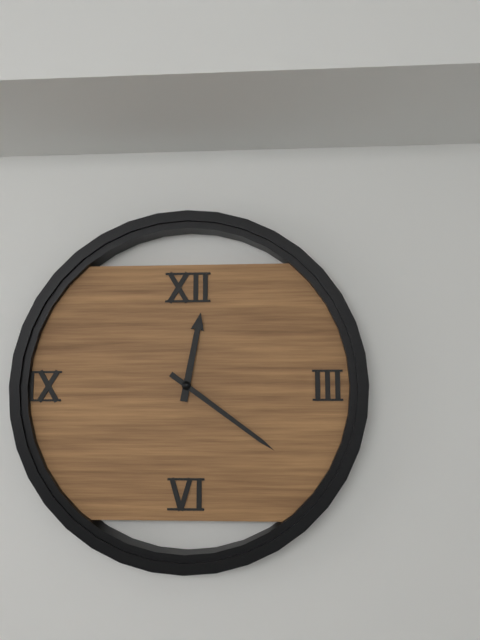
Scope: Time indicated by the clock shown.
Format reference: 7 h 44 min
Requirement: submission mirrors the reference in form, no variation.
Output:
12 h 21 min
